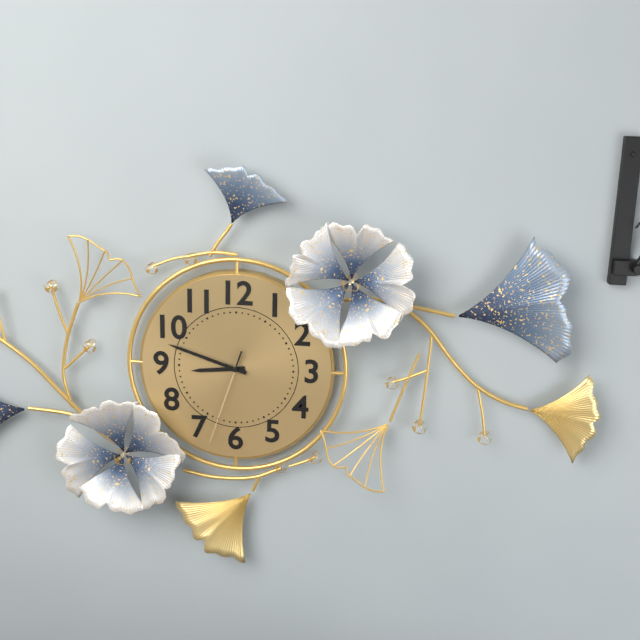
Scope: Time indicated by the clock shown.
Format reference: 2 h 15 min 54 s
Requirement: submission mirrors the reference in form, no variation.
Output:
8 h 48 min 33 s
